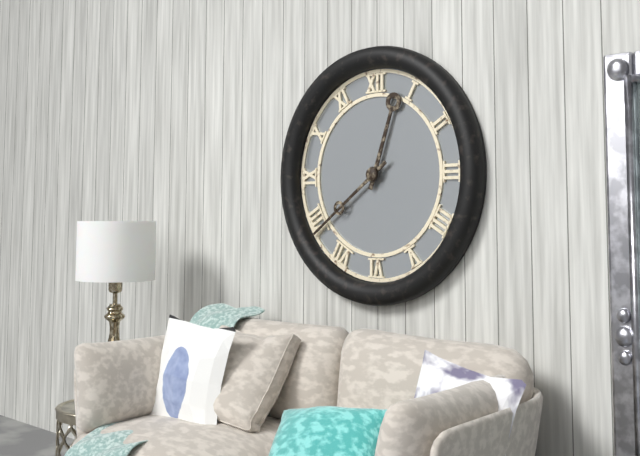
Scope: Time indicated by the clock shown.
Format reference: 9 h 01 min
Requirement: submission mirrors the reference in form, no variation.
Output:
12 h 39 min
